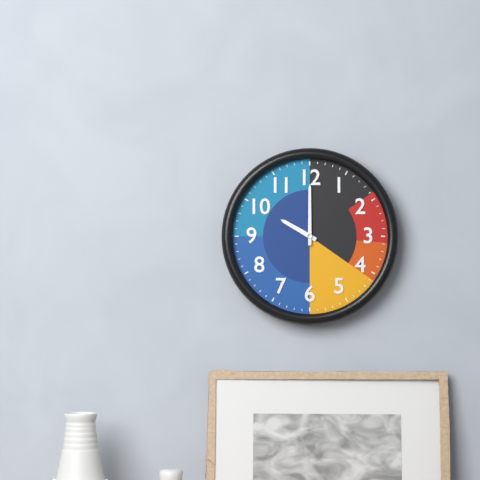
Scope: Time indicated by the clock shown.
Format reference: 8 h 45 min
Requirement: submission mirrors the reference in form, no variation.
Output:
10 h 00 min
